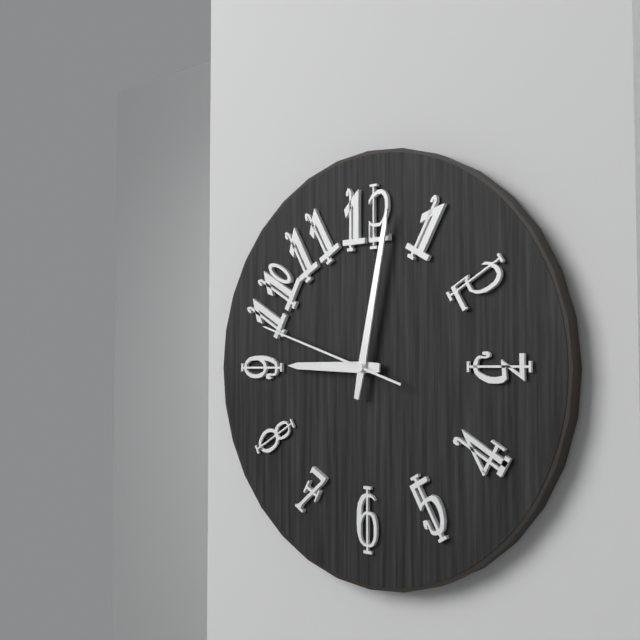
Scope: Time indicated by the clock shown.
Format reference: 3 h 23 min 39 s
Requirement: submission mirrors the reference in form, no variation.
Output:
9 h 02 min 48 s
